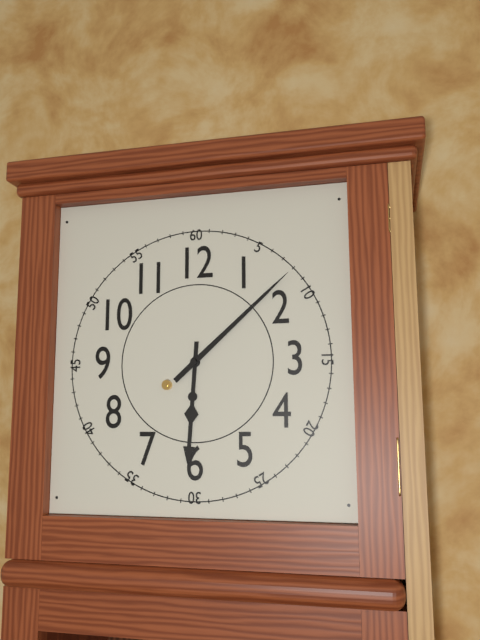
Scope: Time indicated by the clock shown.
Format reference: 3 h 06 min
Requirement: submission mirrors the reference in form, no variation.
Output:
6 h 08 min
